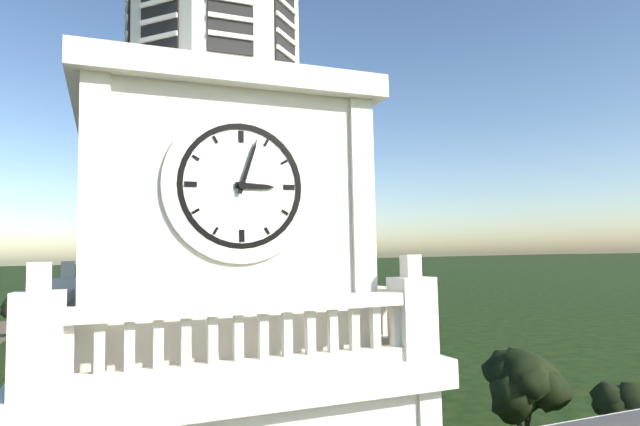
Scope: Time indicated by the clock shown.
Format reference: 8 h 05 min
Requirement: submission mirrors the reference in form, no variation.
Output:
3 h 03 min
